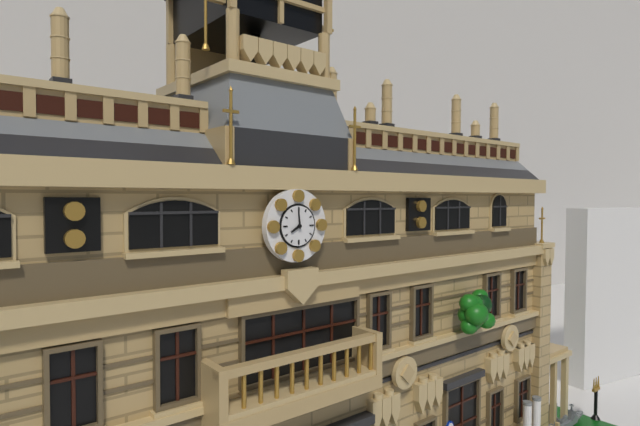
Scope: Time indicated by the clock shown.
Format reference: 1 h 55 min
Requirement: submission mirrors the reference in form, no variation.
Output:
7 h 59 min
